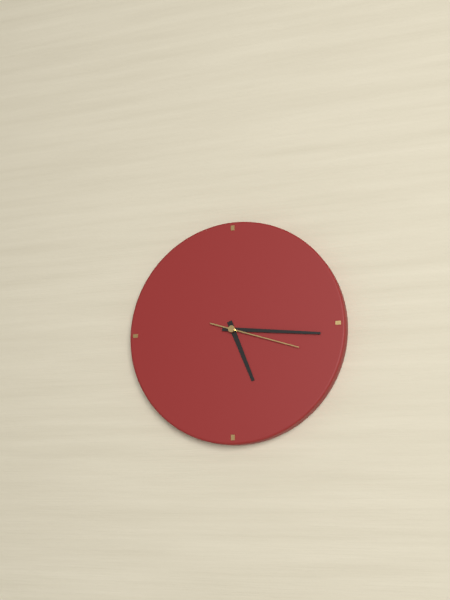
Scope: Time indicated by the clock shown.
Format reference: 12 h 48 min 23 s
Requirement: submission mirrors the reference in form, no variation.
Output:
5 h 16 min 18 s
